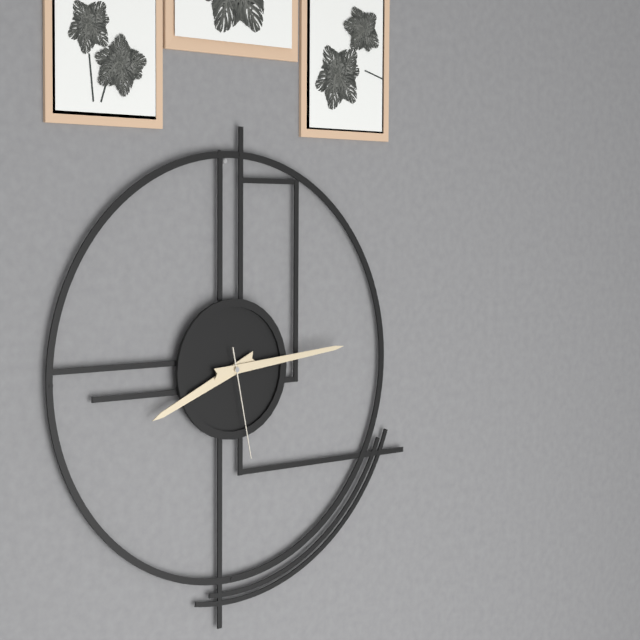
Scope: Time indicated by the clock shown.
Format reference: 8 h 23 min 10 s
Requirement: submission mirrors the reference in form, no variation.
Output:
8 h 14 min 28 s
